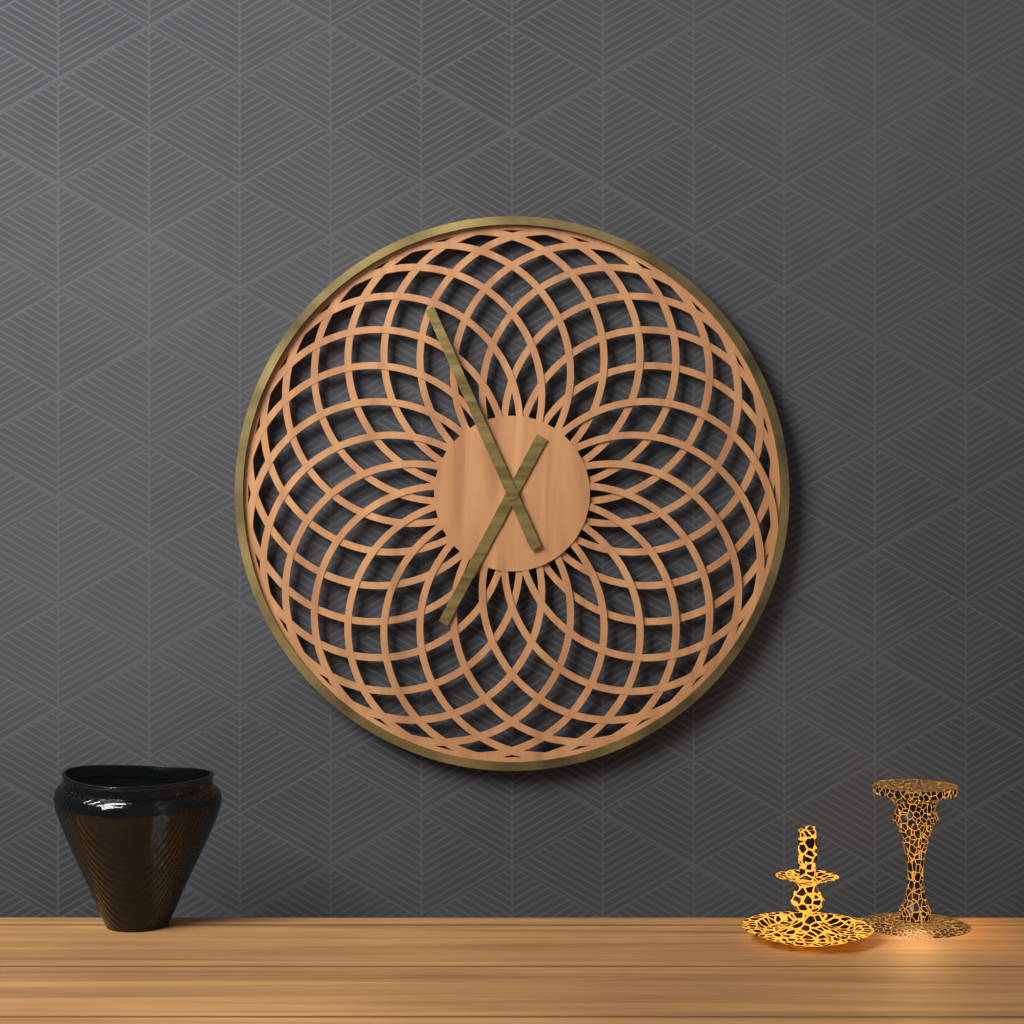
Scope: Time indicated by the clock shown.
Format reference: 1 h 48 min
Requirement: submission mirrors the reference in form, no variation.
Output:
6 h 56 min
